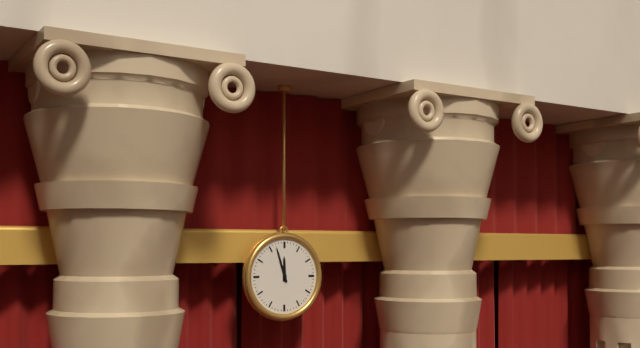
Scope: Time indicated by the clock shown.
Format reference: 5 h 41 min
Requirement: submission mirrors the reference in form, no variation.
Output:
11 h 57 min
